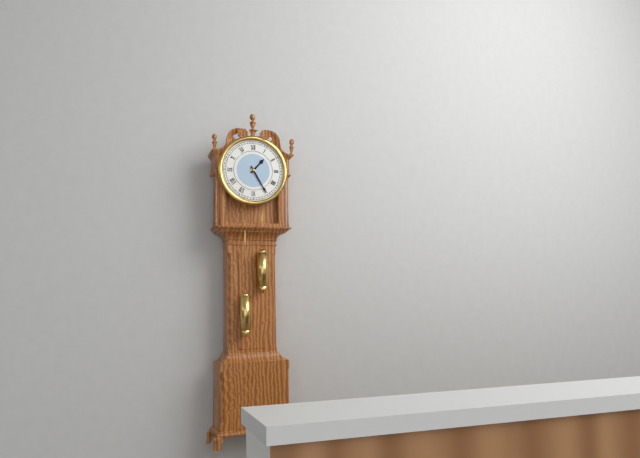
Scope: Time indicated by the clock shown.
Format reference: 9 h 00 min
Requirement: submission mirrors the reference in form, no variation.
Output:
1 h 25 min
